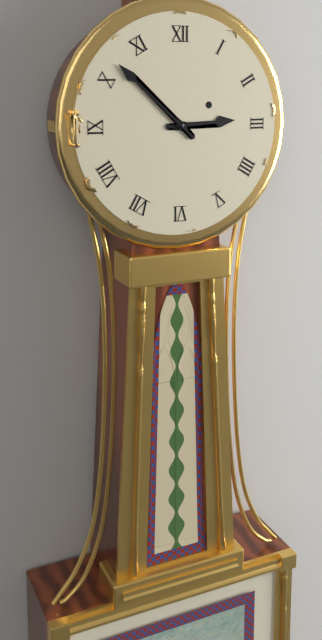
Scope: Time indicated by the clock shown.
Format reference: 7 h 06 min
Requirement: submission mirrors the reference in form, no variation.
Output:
2 h 52 min
